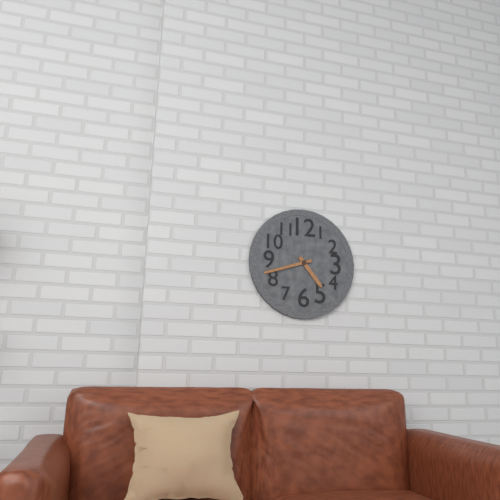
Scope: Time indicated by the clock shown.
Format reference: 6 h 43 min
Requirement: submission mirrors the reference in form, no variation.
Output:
4 h 42 min
